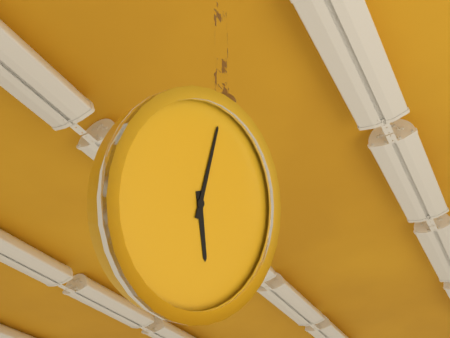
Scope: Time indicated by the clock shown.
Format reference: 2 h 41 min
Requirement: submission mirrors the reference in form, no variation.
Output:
4 h 59 min
